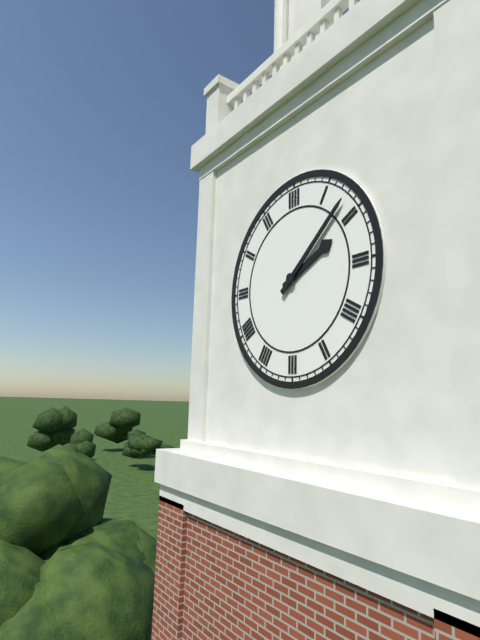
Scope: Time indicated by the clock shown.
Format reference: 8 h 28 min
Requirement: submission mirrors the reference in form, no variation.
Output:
2 h 08 min
